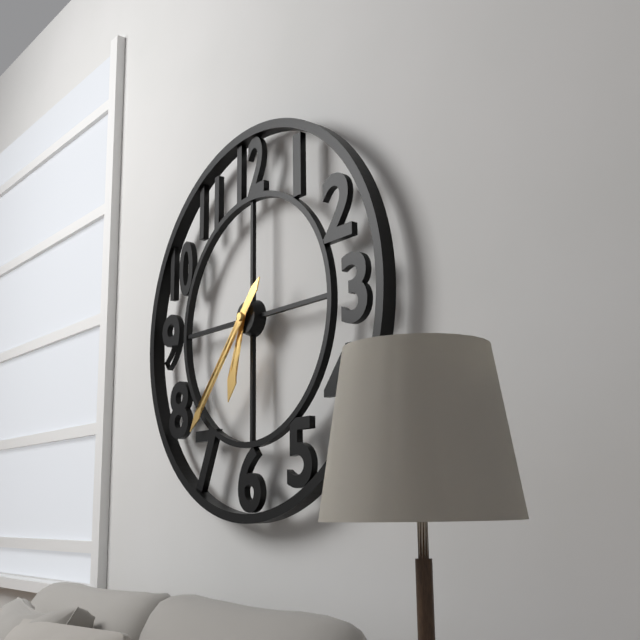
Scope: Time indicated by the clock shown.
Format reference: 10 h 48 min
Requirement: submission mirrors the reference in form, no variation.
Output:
6 h 37 min
